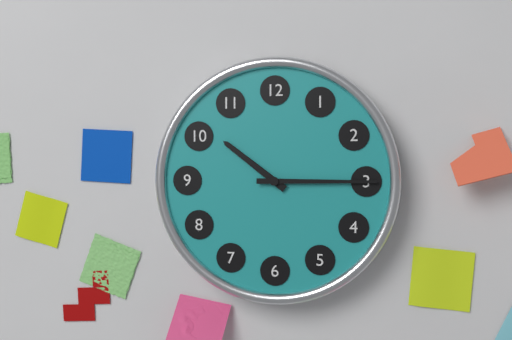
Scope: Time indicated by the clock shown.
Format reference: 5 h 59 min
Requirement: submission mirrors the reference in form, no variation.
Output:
10 h 15 min
